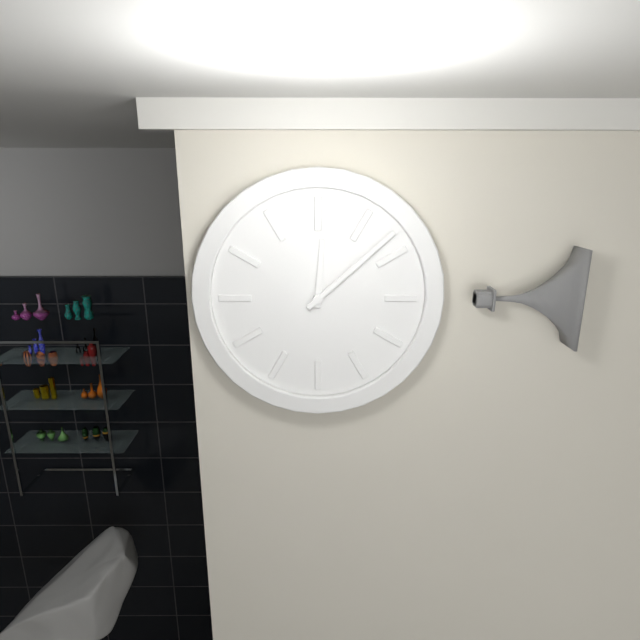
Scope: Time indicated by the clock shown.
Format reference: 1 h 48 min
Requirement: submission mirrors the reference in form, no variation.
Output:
12 h 08 min
